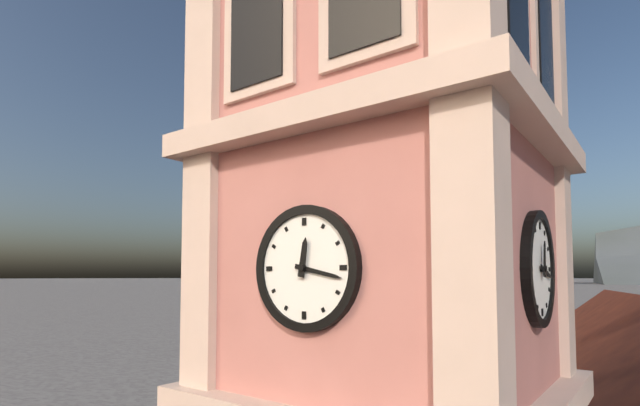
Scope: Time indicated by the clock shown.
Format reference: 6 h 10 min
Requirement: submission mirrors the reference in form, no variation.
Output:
12 h 17 min
